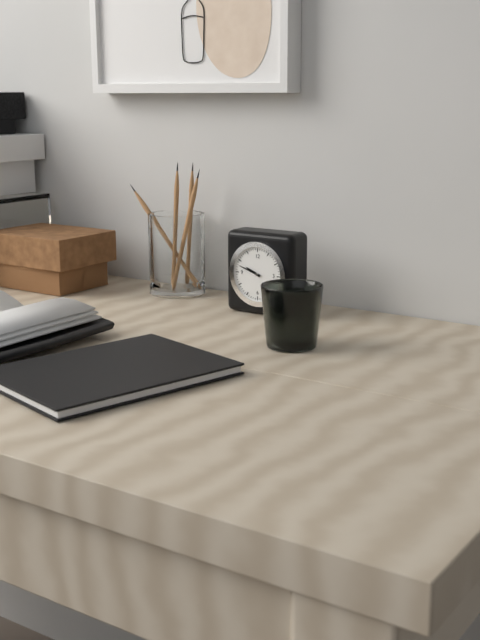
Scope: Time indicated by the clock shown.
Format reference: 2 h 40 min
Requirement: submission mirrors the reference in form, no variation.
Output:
9 h 48 min
